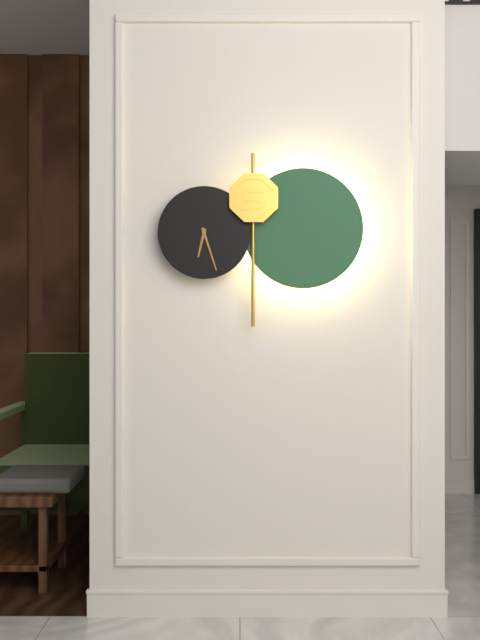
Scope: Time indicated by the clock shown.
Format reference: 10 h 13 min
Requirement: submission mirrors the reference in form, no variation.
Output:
6 h 27 min
